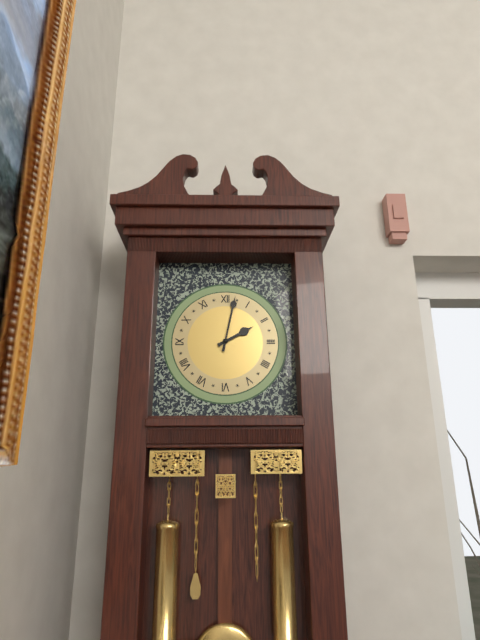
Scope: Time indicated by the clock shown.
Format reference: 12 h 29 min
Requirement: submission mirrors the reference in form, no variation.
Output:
2 h 02 min
